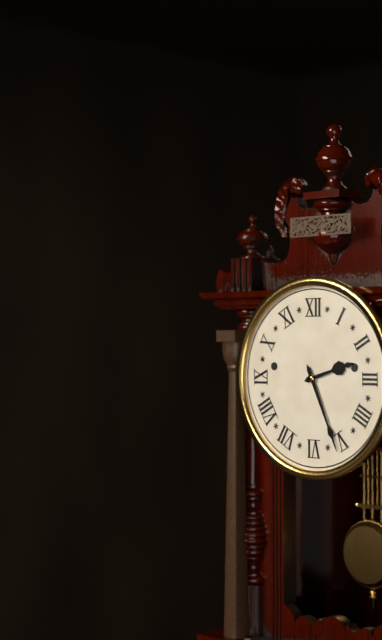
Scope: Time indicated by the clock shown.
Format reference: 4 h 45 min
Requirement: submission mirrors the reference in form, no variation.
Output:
2 h 26 min
